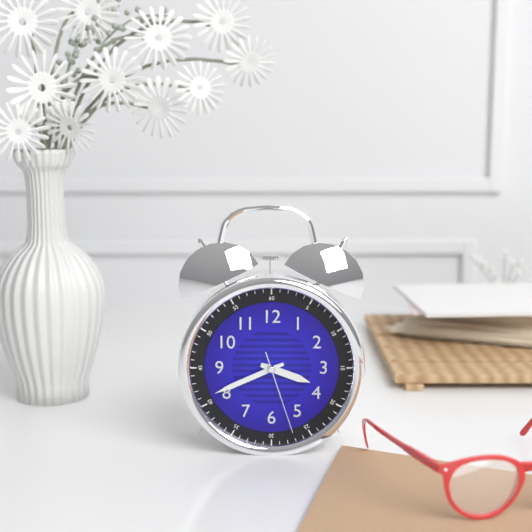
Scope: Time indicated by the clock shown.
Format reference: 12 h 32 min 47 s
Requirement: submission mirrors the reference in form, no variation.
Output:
3 h 41 min 27 s
